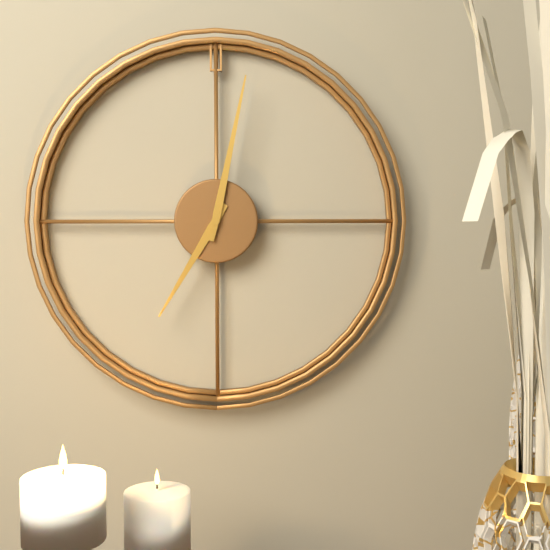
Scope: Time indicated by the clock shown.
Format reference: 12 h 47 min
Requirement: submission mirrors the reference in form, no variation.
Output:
7 h 02 min
